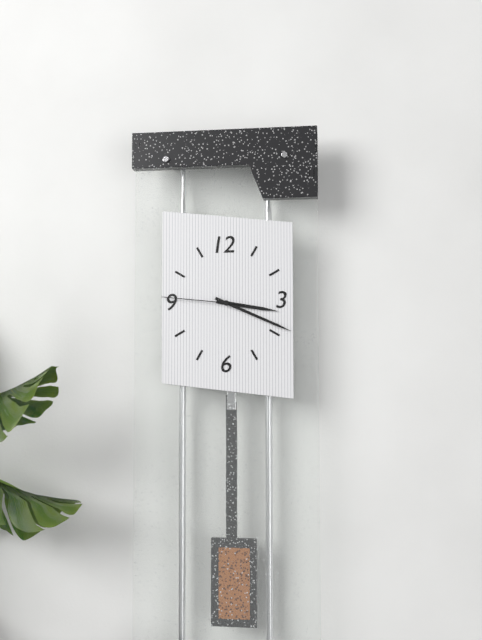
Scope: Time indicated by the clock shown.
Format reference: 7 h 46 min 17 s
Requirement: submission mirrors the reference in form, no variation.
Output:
3 h 19 min 46 s
